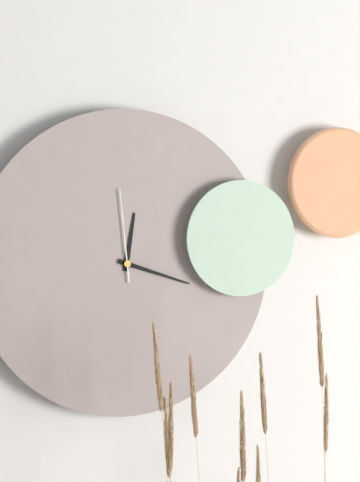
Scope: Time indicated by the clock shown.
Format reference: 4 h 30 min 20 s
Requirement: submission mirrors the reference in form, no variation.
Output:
12 h 18 min 59 s
